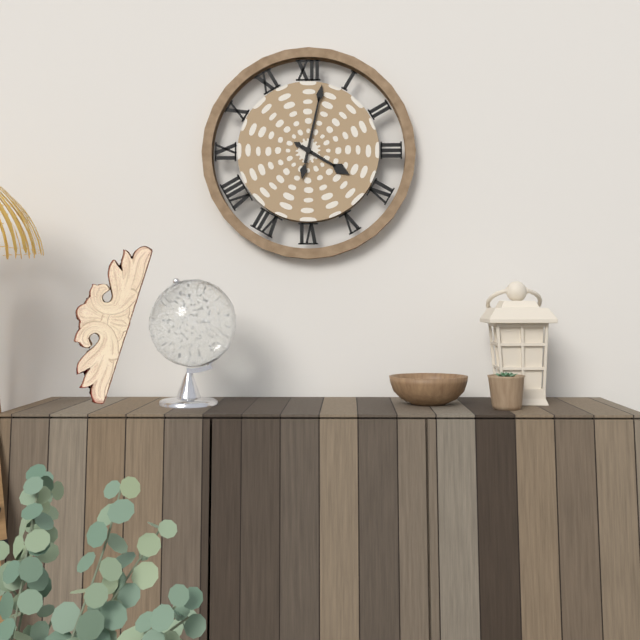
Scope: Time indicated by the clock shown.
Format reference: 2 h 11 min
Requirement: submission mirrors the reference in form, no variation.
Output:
4 h 02 min
